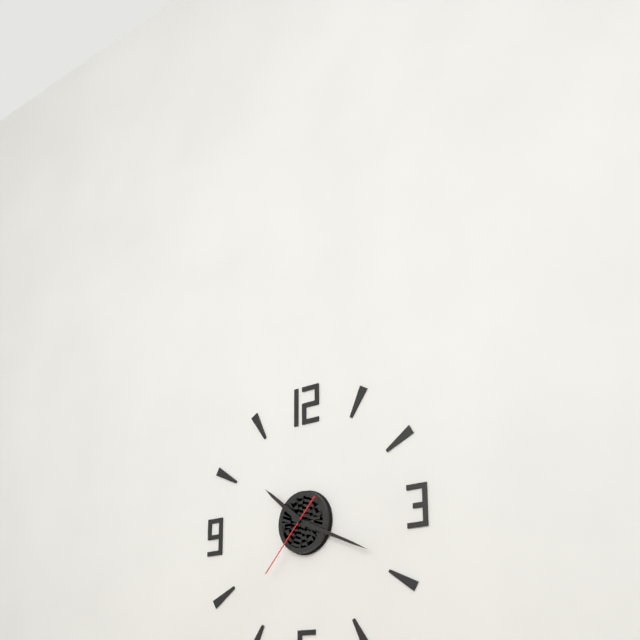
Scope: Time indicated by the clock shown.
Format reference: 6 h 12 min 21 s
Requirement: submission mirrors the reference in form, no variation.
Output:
10 h 19 min 37 s
